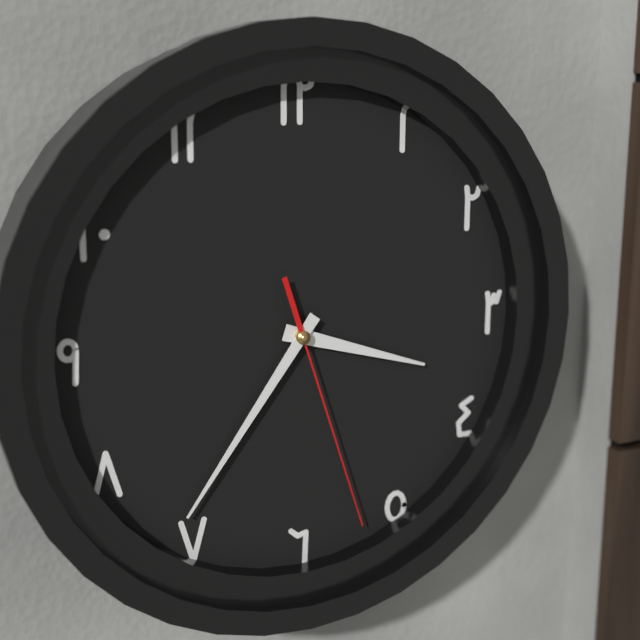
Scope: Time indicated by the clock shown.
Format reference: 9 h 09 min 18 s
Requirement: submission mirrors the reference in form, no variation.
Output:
3 h 36 min 27 s
